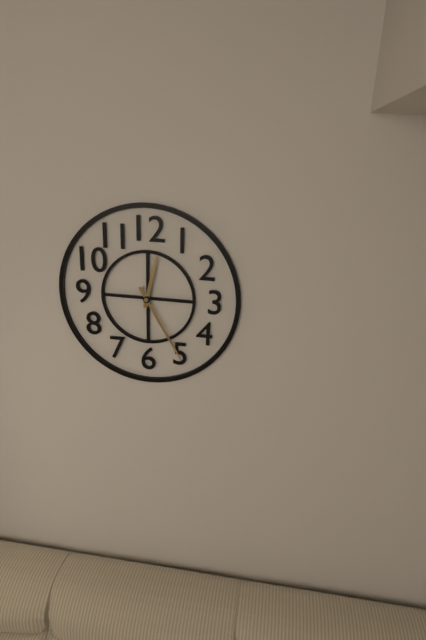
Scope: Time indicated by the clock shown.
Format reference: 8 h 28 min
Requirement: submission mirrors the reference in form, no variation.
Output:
12 h 25 min
